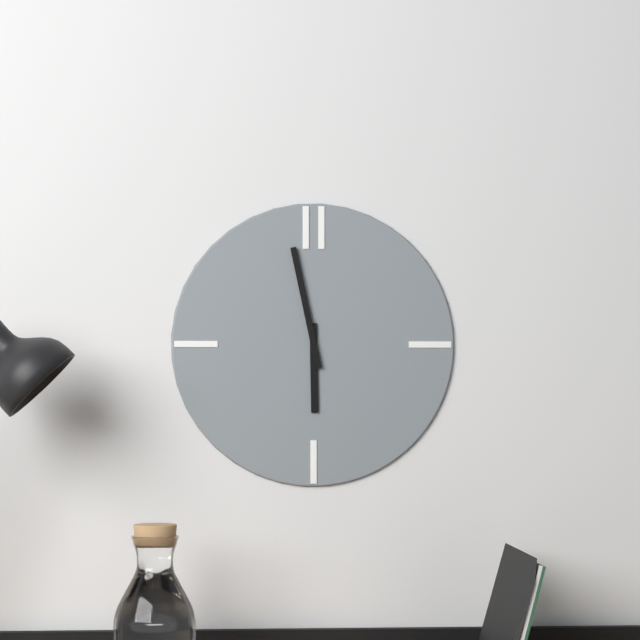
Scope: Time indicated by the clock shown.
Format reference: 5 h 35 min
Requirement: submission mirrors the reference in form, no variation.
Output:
5 h 58 min
